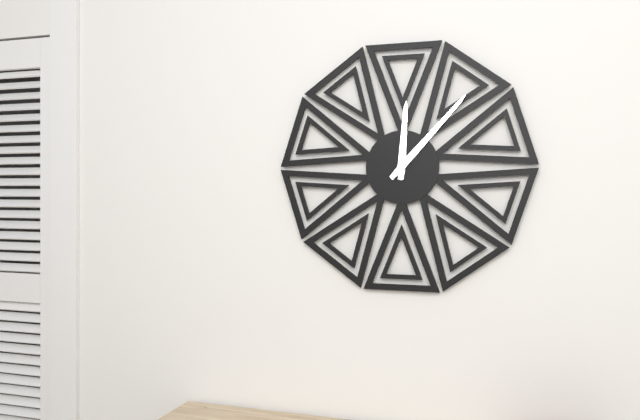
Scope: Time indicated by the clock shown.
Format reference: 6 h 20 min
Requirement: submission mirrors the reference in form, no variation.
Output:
12 h 07 min
